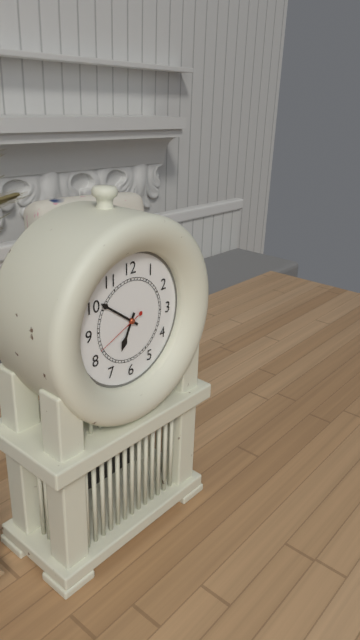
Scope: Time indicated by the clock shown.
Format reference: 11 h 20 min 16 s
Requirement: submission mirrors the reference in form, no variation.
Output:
6 h 51 min 41 s
